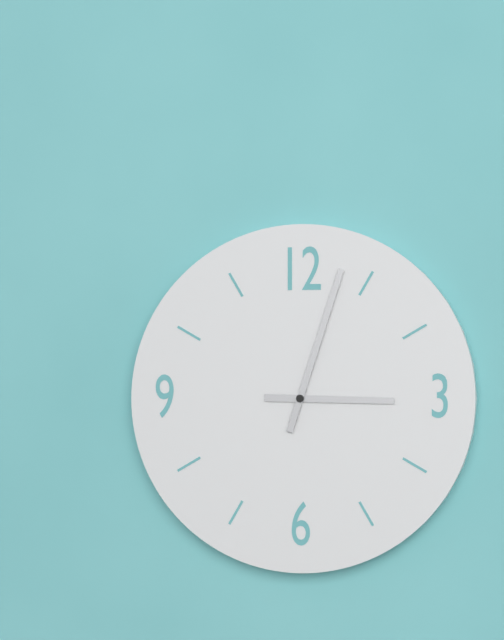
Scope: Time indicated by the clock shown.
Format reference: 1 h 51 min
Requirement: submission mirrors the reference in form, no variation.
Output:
3 h 03 min
